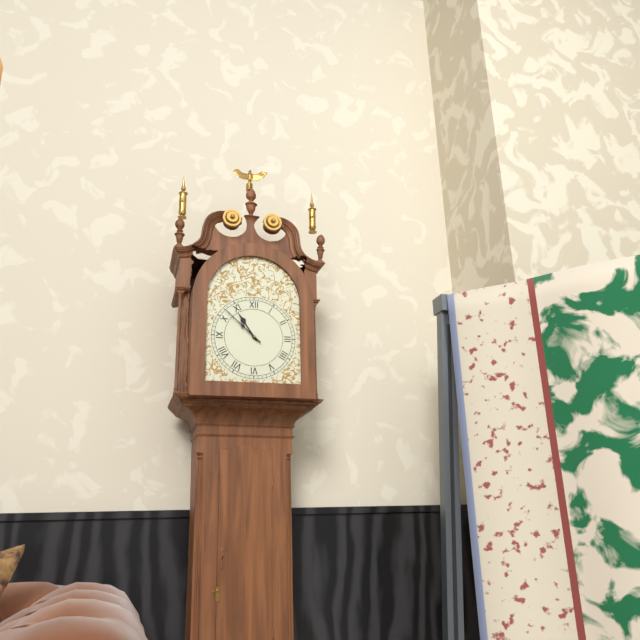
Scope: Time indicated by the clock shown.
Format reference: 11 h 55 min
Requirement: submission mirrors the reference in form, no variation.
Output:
10 h 52 min
